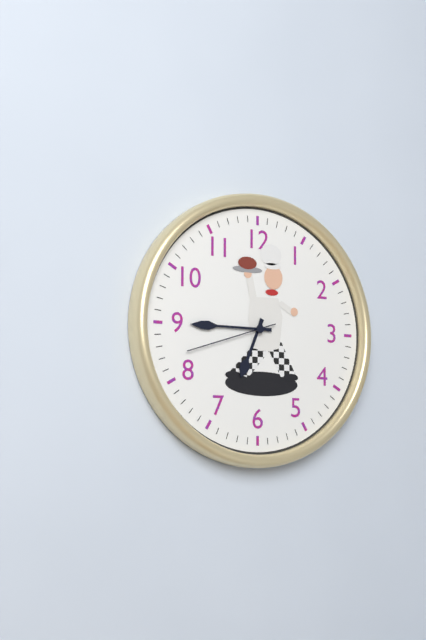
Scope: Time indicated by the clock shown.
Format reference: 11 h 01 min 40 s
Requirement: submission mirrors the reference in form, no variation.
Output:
6 h 45 min 42 s
